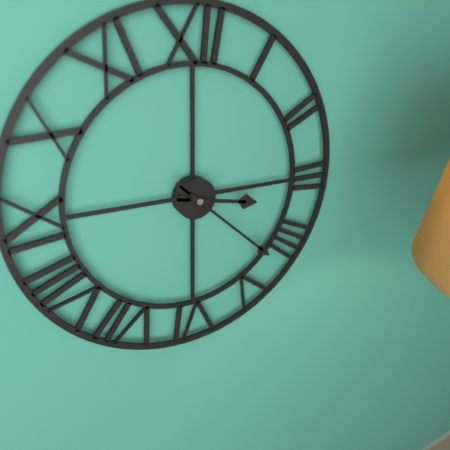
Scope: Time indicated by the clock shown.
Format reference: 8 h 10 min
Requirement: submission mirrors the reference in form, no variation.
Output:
3 h 22 min
